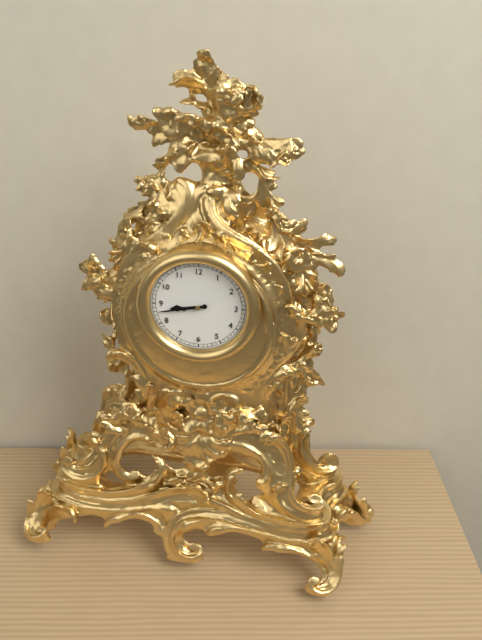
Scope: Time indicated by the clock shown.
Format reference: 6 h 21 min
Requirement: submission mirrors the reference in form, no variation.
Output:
8 h 43 min
